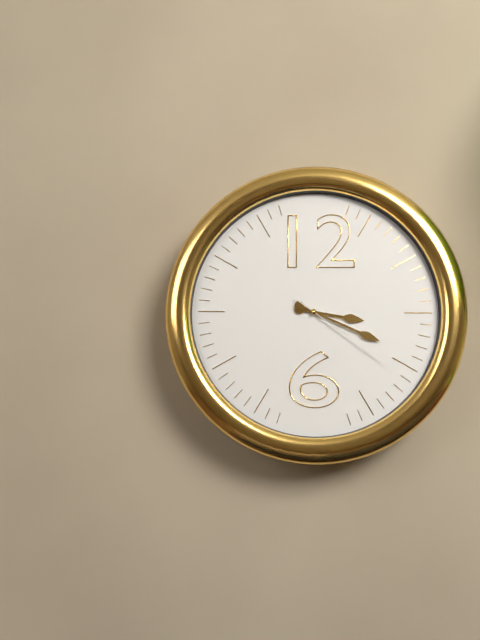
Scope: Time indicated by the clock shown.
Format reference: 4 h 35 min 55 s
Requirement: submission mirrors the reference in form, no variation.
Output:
3 h 19 min 21 s
